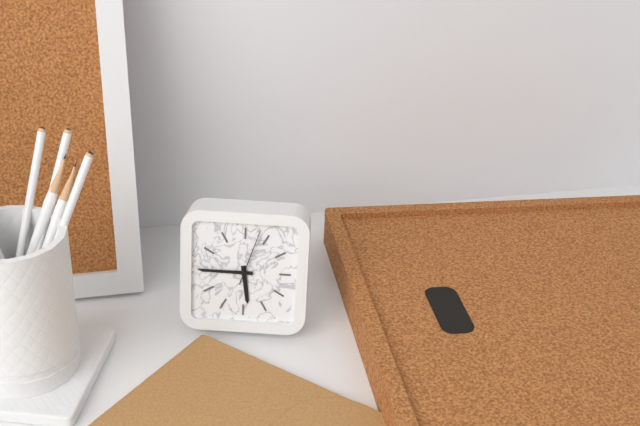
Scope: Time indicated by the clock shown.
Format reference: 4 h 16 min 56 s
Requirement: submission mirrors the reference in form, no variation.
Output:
5 h 45 min 03 s
